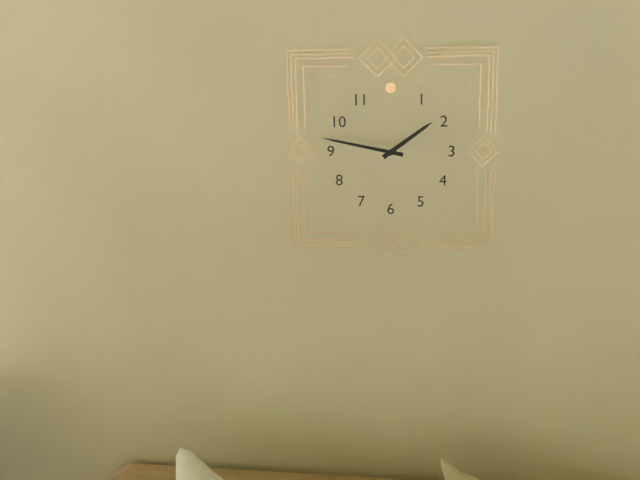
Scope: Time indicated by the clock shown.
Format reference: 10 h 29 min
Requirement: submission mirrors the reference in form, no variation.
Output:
1 h 47 min
